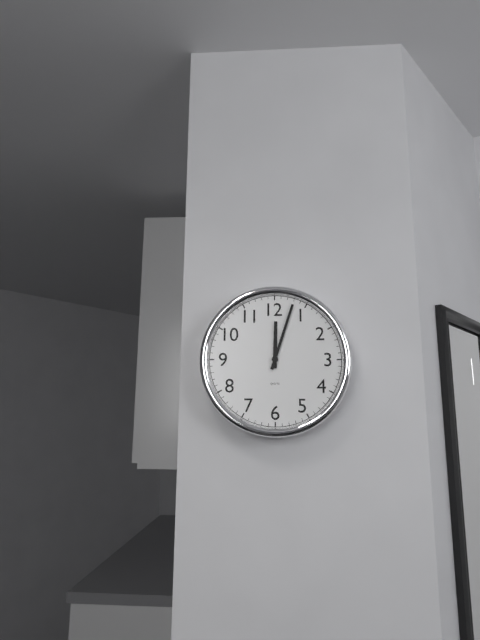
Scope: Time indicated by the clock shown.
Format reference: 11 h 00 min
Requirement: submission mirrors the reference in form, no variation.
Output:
12 h 03 min
